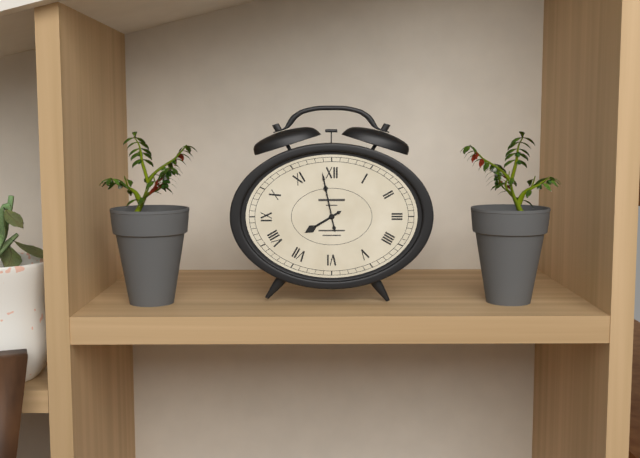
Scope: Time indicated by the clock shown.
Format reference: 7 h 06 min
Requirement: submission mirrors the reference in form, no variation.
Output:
7 h 58 min
